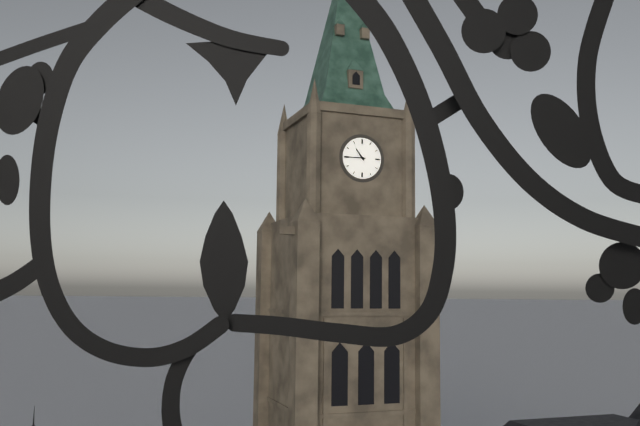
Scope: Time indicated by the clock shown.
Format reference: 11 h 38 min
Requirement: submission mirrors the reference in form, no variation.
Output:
10 h 45 min
